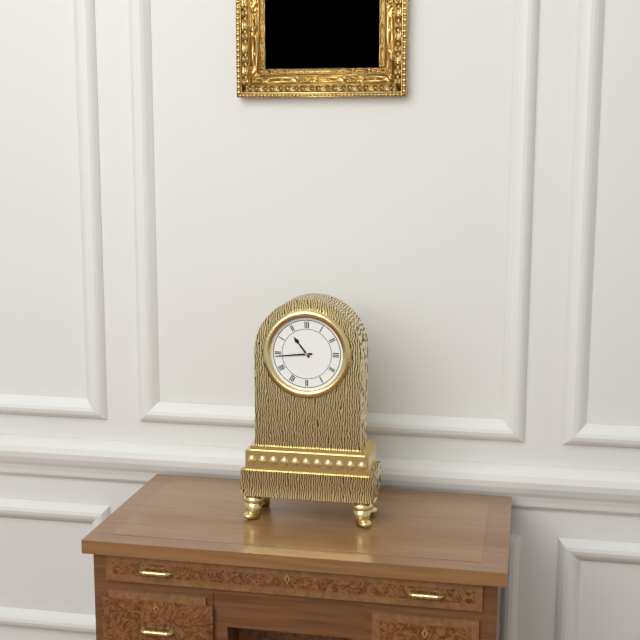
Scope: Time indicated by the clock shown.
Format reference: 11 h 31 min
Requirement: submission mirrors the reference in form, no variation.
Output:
10 h 44 min
